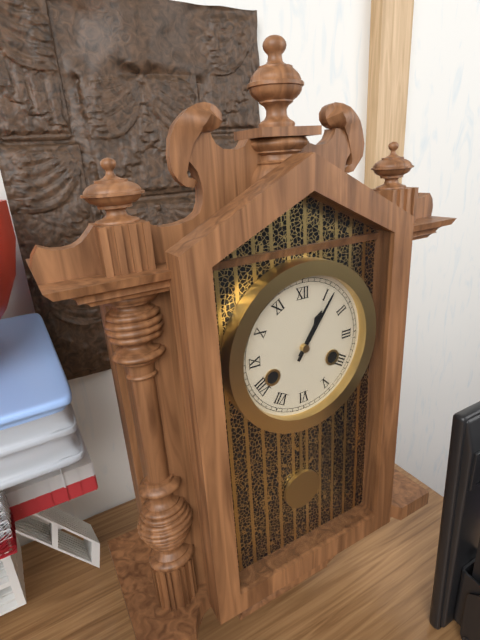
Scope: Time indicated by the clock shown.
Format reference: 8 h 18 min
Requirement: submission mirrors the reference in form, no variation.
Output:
1 h 06 min
